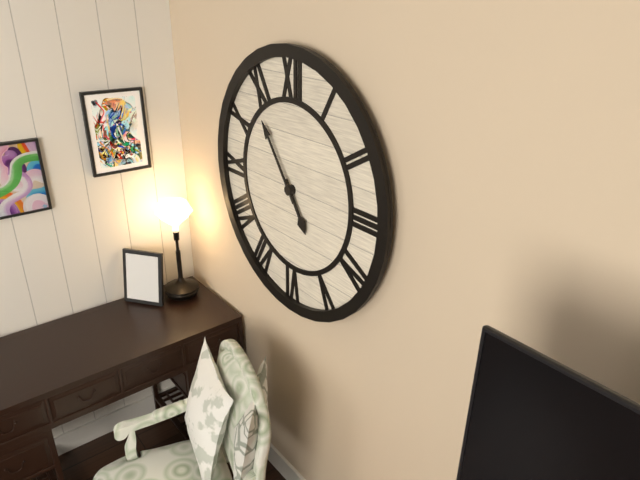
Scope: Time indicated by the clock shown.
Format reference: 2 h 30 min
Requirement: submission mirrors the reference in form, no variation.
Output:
4 h 54 min
